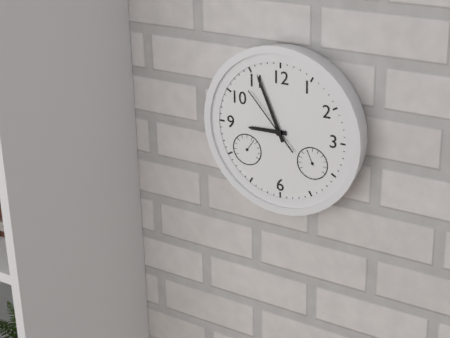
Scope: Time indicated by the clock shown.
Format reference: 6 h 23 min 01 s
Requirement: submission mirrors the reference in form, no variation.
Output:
8 h 56 min 53 s
